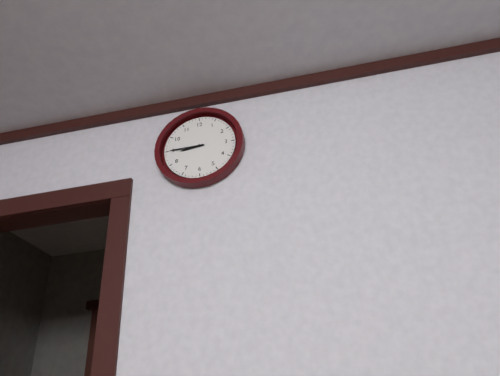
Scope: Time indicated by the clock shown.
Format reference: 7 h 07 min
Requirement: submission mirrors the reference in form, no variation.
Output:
8 h 45 min
